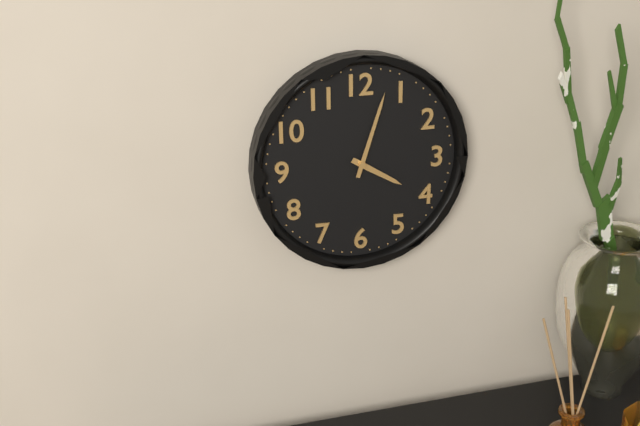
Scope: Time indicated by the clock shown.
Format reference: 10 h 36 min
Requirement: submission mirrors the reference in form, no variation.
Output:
4 h 03 min
